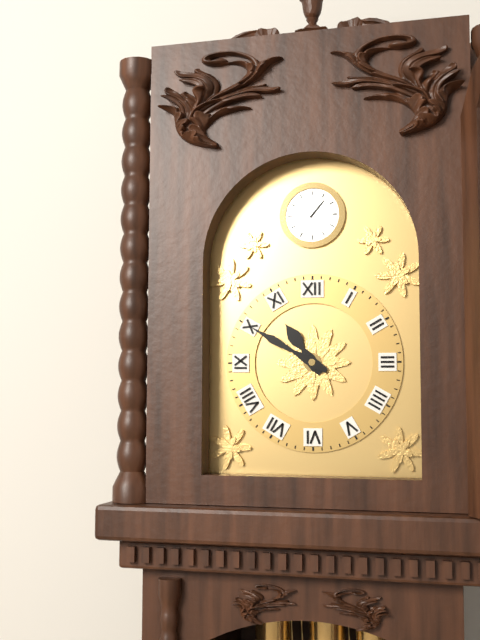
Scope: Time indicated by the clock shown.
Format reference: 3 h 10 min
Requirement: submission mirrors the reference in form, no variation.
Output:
10 h 50 min
